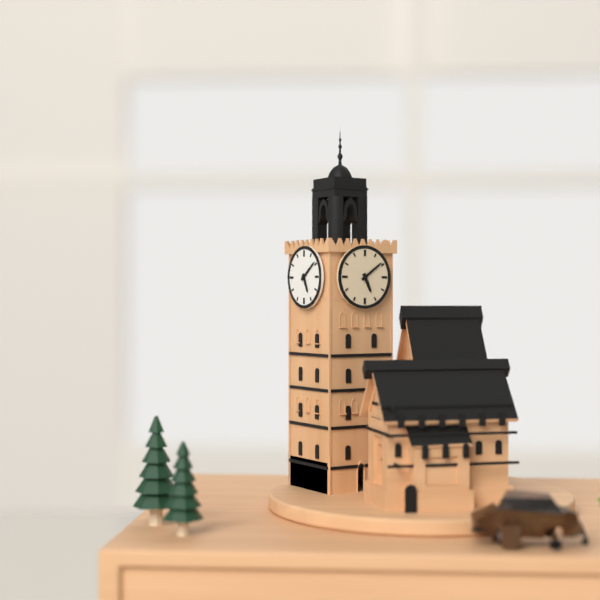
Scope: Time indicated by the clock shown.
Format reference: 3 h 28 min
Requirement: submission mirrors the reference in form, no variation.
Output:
5 h 09 min
